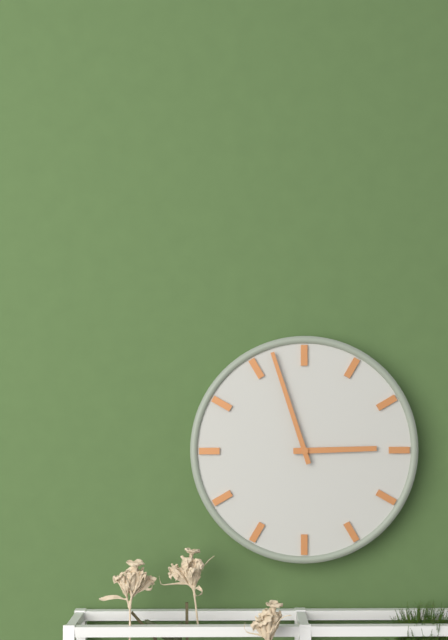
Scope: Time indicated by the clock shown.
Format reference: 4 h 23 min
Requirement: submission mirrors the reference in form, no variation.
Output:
2 h 57 min
